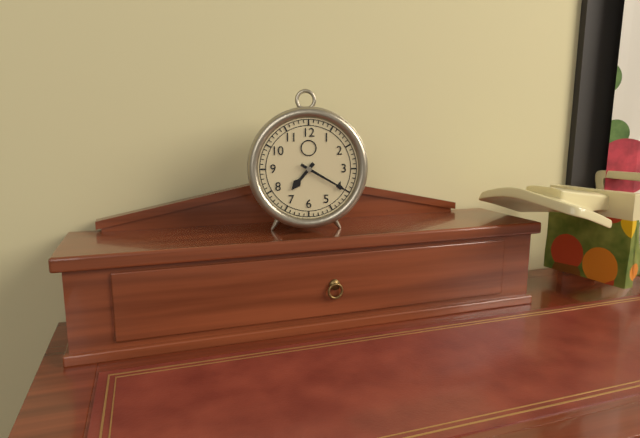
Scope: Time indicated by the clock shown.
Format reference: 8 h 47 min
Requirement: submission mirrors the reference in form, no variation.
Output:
7 h 20 min
